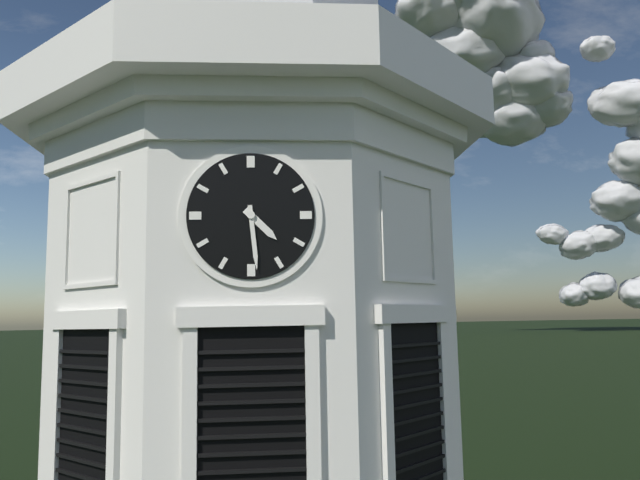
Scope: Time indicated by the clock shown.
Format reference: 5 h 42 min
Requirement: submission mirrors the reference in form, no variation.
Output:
4 h 29 min
